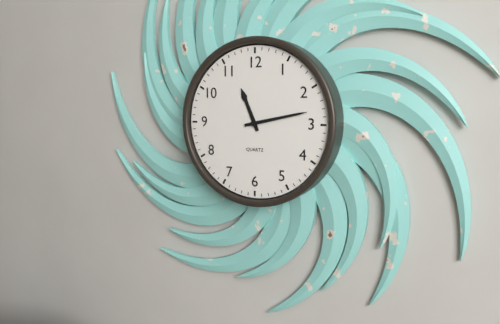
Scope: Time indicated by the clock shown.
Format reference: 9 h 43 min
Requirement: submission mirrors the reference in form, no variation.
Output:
11 h 13 min
